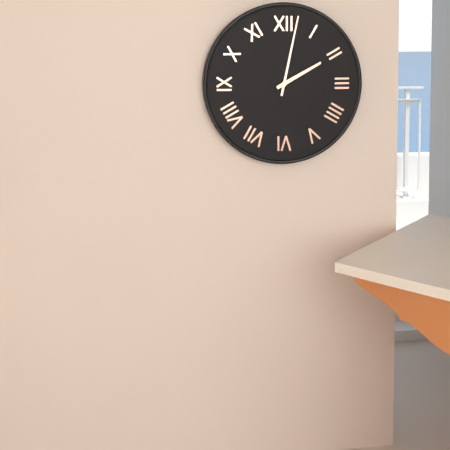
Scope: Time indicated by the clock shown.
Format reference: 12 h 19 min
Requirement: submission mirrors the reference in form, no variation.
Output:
2 h 02 min
